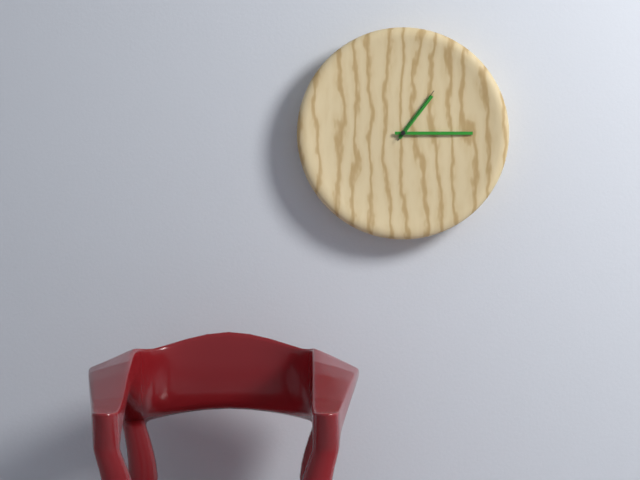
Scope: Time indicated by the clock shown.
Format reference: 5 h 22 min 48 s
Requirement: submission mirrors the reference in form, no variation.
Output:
1 h 15 min 06 s
